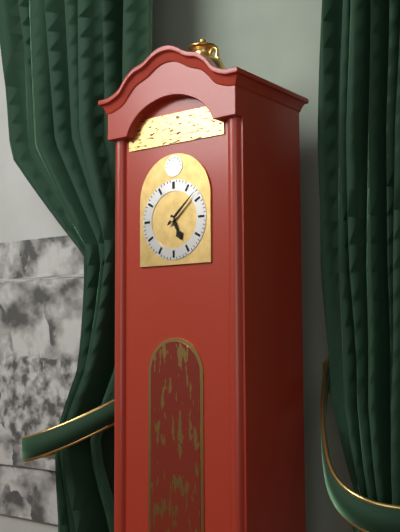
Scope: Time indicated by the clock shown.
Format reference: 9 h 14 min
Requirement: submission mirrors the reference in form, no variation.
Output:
5 h 08 min
